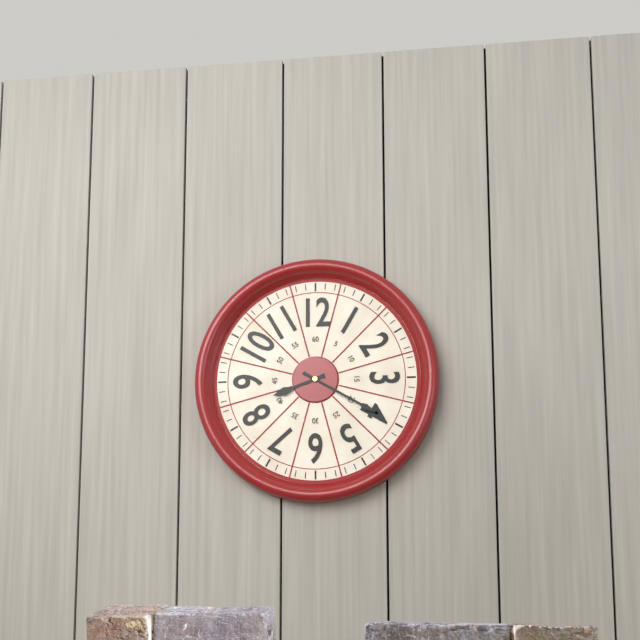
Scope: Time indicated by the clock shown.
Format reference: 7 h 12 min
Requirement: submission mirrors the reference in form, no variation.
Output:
8 h 20 min
